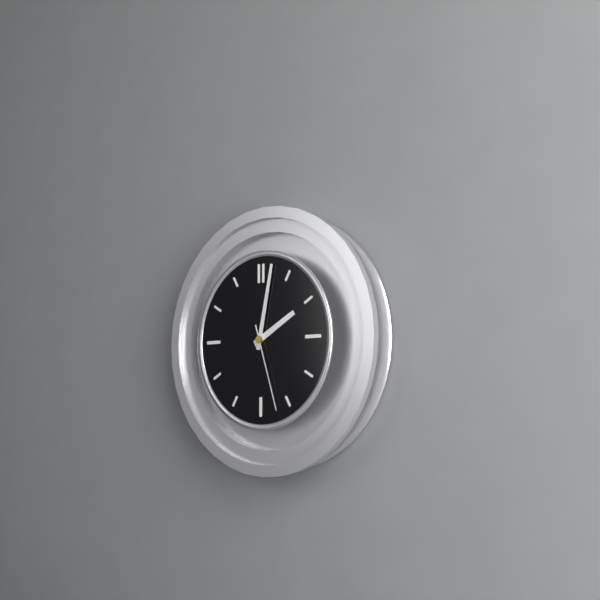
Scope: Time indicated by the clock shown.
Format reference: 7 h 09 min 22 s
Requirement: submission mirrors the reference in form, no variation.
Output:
2 h 02 min 27 s
